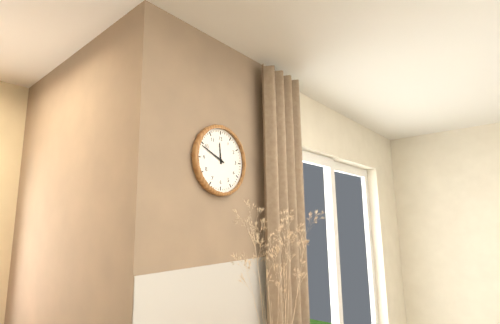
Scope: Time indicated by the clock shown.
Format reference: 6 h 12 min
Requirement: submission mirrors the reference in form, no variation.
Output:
11 h 49 min
